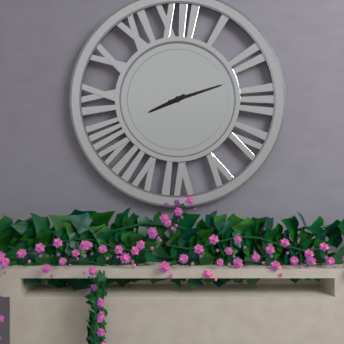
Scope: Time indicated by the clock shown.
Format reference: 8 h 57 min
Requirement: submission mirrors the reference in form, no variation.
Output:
8 h 12 min
